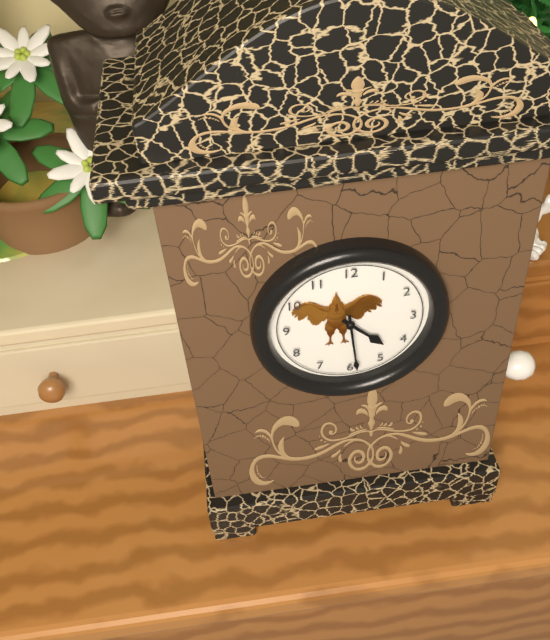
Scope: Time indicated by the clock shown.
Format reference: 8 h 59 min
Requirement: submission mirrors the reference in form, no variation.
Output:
4 h 29 min
